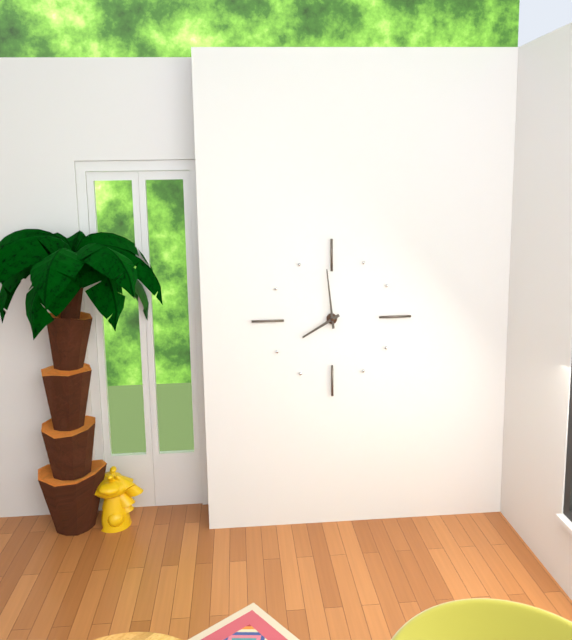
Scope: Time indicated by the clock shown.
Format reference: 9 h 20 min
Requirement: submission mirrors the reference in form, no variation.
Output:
7 h 59 min
